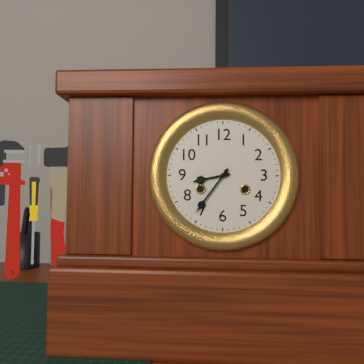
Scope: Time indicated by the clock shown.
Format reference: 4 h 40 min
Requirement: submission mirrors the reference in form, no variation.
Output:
8 h 36 min
